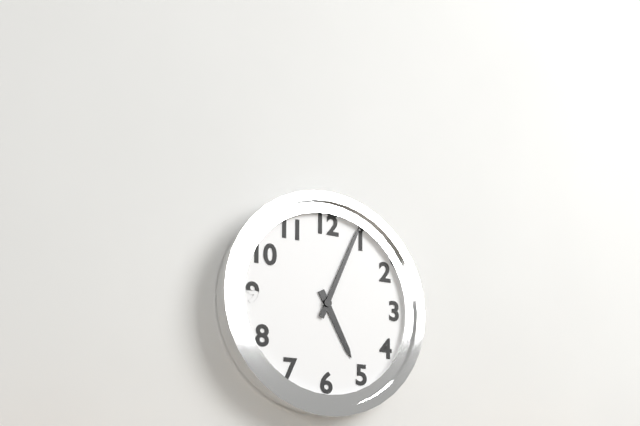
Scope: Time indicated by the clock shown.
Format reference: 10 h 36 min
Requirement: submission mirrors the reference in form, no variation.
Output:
5 h 04 min
